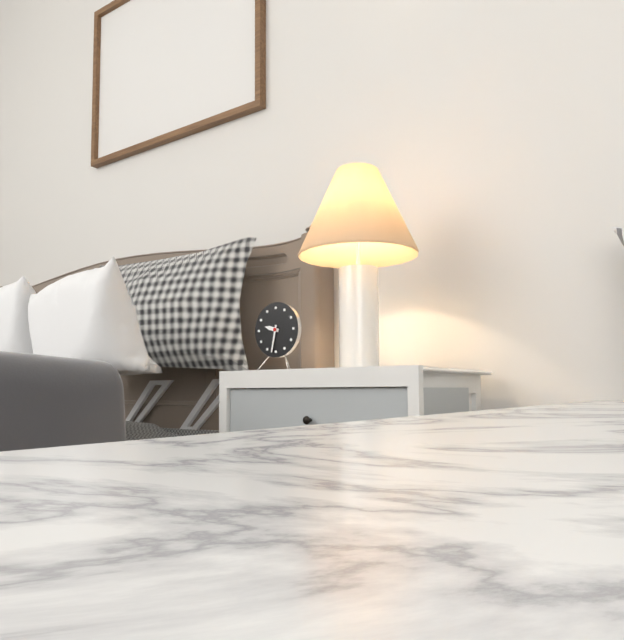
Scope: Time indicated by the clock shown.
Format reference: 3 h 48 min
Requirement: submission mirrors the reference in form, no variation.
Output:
9 h 32 min
